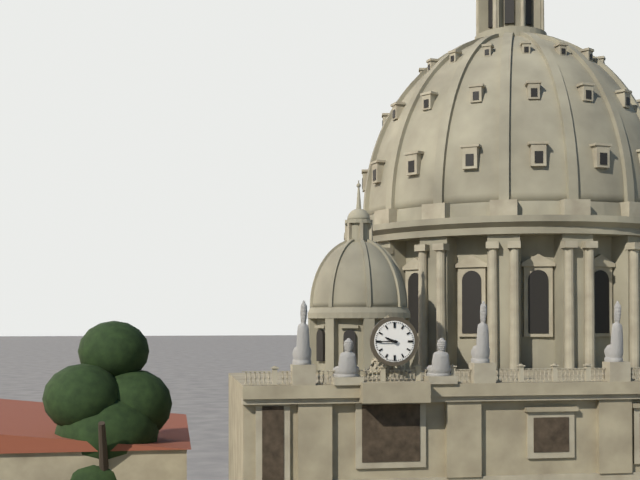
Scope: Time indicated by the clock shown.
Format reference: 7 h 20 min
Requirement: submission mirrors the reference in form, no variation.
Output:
9 h 45 min
